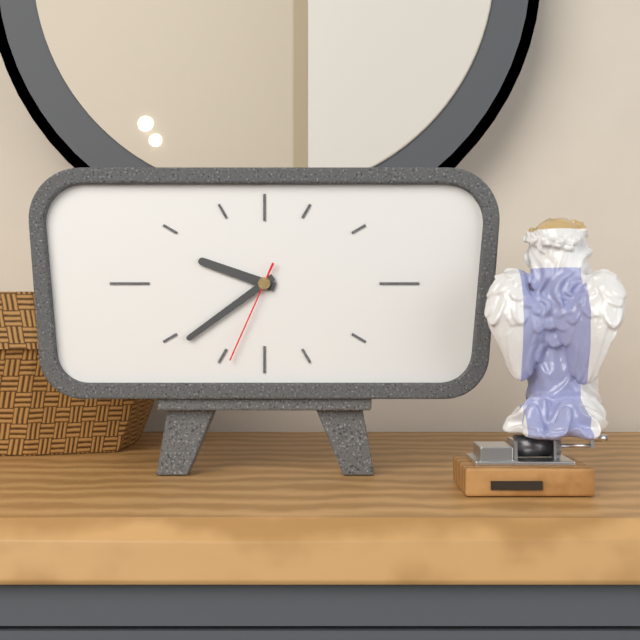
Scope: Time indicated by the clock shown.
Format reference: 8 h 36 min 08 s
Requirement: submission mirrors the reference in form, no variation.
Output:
9 h 39 min 34 s
